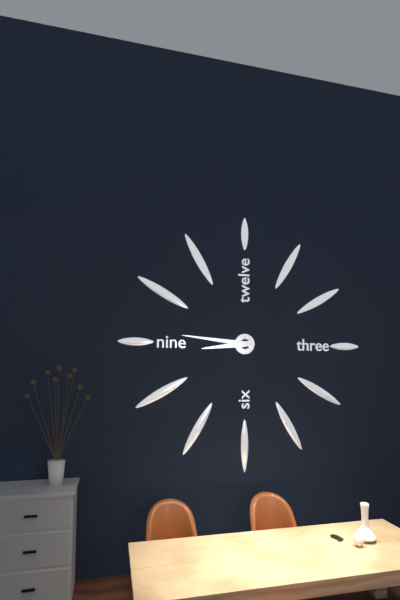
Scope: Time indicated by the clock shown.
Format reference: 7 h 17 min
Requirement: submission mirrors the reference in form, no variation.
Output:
8 h 46 min
